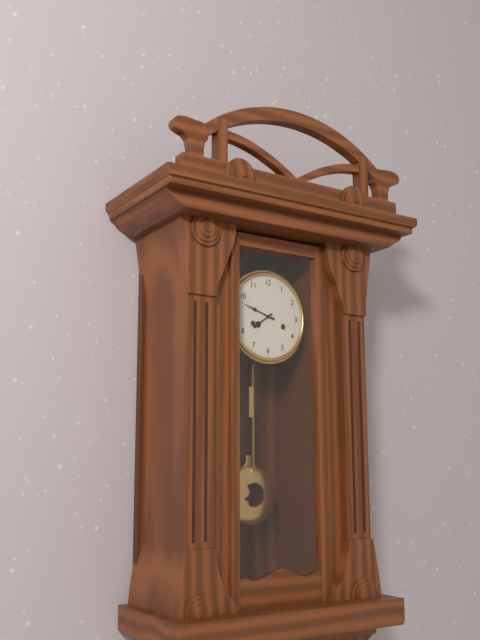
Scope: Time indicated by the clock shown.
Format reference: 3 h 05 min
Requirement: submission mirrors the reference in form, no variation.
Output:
7 h 48 min
